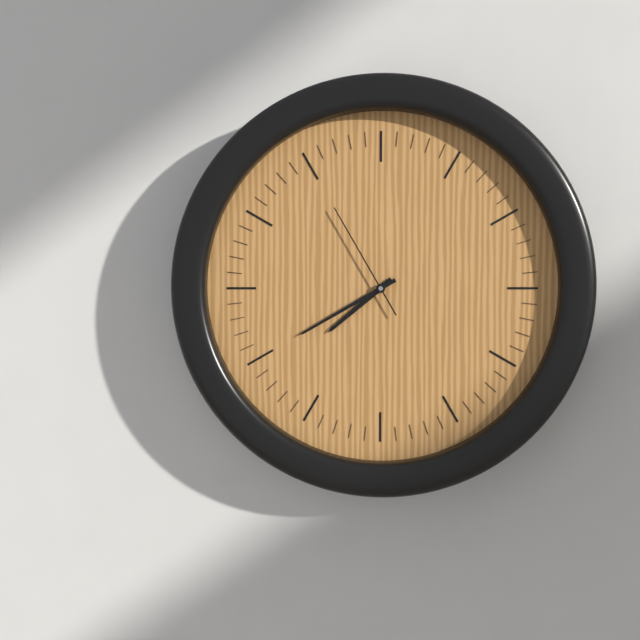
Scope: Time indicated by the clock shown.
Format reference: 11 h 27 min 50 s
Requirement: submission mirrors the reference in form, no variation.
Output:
7 h 40 min 55 s
